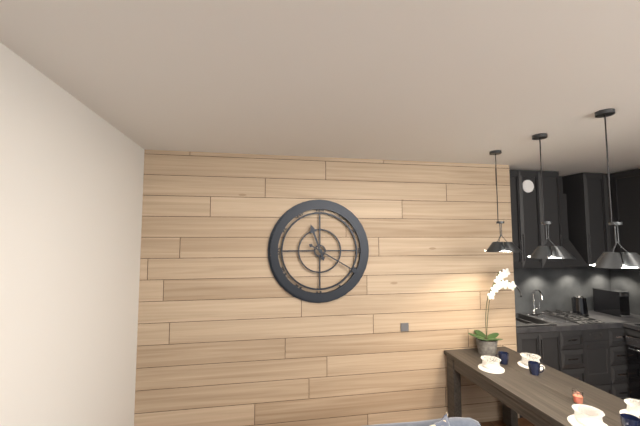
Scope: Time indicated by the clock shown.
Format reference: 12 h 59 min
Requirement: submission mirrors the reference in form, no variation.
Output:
11 h 20 min
